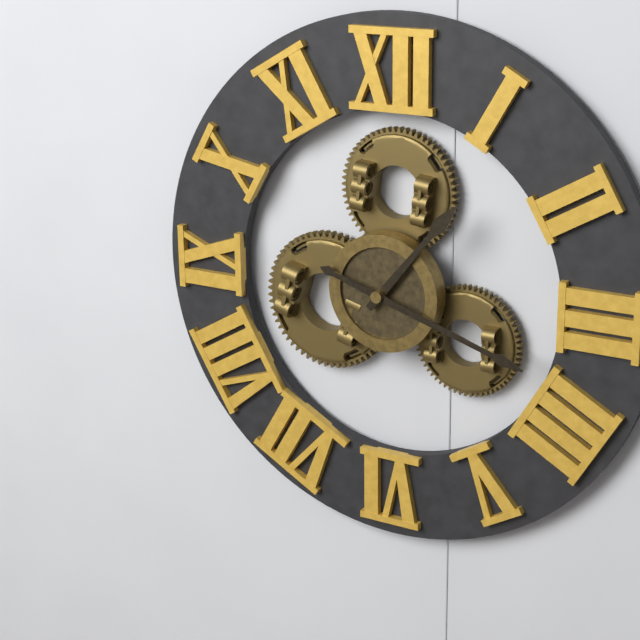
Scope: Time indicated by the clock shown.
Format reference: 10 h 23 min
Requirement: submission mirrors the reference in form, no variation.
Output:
1 h 18 min
